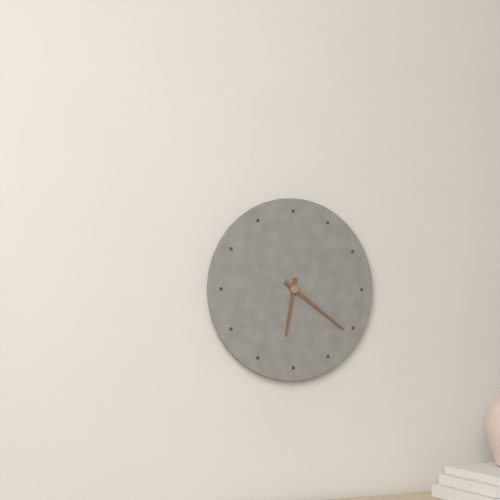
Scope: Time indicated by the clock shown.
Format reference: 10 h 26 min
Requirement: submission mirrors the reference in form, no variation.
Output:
6 h 21 min
